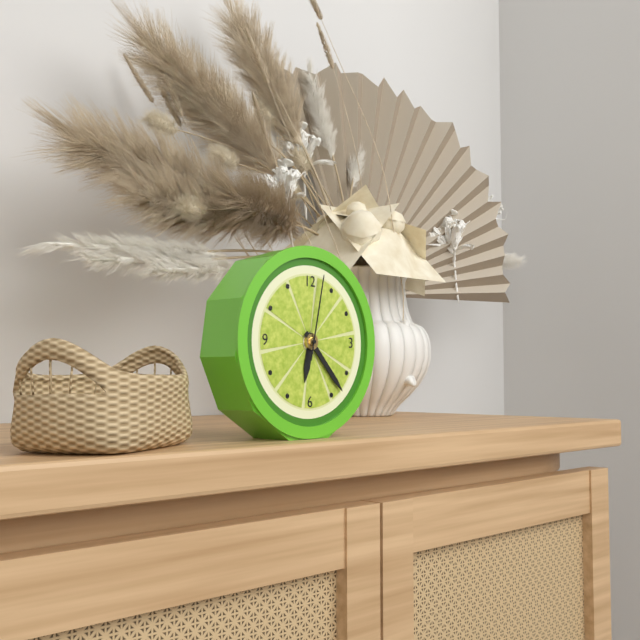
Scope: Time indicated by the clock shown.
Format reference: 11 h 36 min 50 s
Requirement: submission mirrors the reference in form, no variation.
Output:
6 h 23 min 02 s
